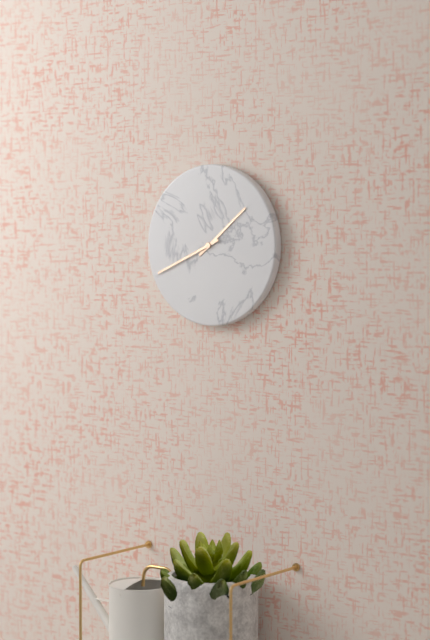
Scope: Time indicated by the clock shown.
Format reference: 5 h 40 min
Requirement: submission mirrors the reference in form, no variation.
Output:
1 h 41 min
